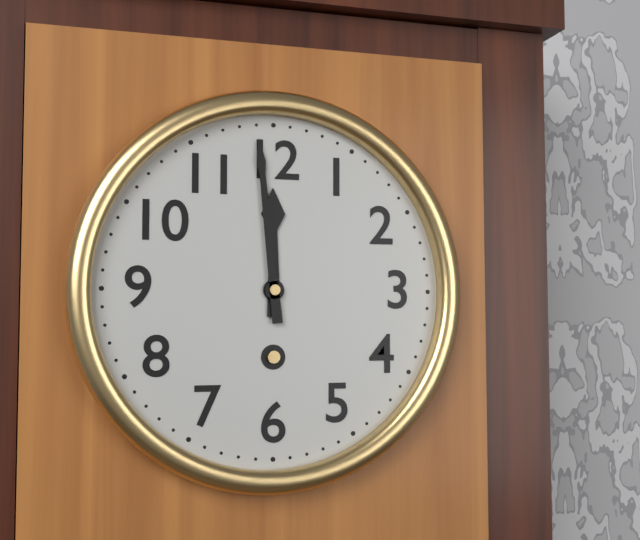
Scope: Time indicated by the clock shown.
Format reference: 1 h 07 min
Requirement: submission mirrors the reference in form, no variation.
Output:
11 h 59 min
